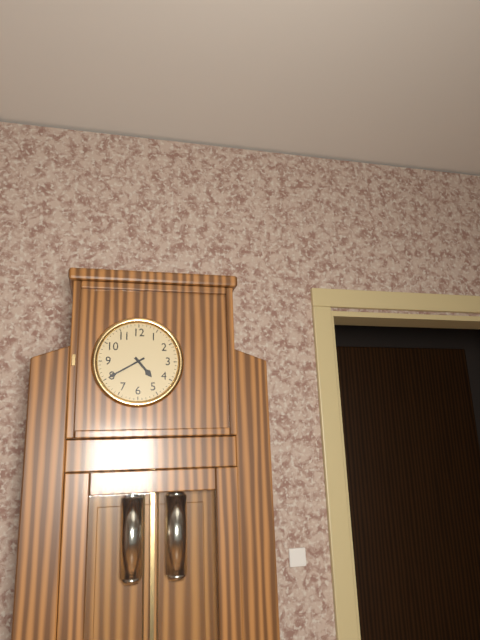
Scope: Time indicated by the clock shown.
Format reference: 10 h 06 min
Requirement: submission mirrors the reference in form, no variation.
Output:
4 h 40 min
